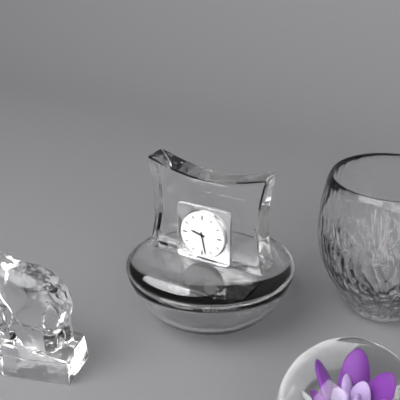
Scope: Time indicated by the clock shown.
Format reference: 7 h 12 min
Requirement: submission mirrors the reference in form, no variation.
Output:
9 h 28 min
